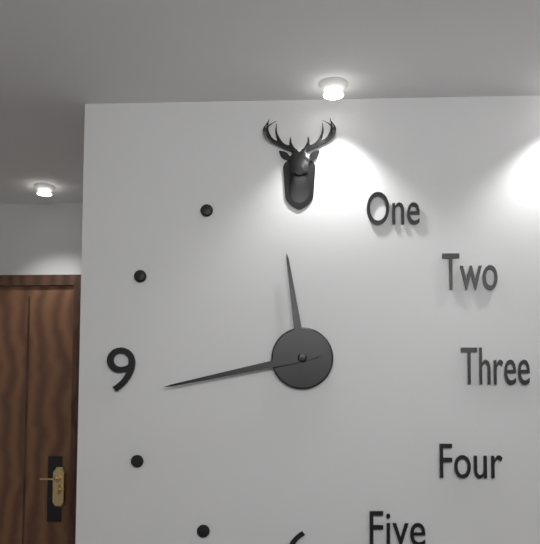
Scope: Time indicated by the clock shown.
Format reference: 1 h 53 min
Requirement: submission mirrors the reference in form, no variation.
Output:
11 h 43 min
